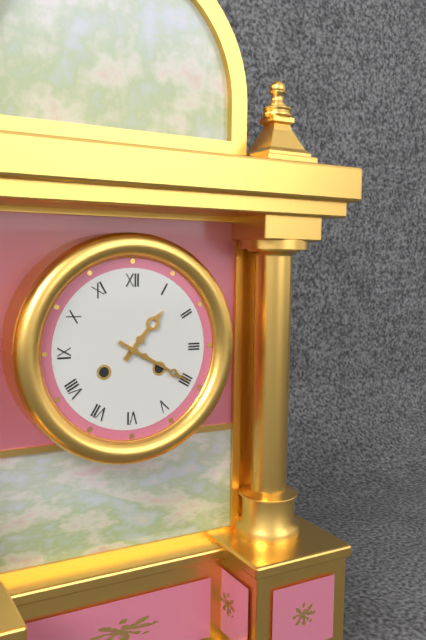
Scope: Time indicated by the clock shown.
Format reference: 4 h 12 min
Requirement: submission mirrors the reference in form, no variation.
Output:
1 h 20 min
